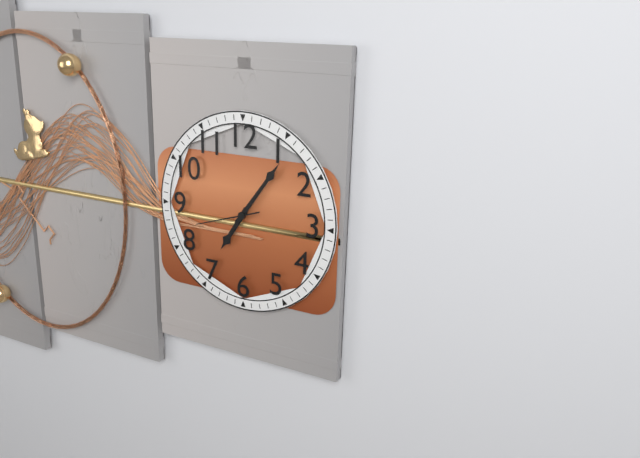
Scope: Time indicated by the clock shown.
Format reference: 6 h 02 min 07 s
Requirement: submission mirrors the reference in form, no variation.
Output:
7 h 06 min 42 s
